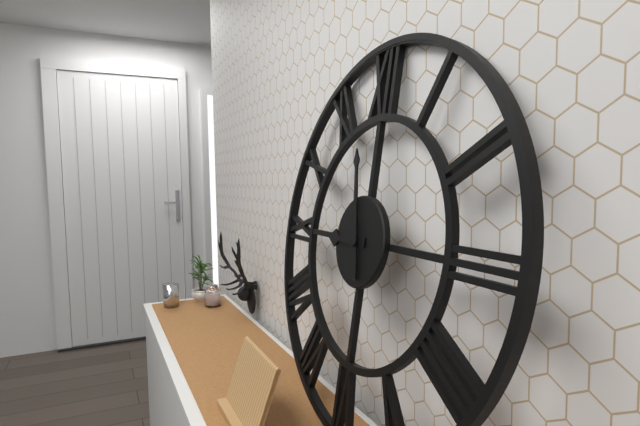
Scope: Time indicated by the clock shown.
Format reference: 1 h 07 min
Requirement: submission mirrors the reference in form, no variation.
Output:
8 h 58 min
